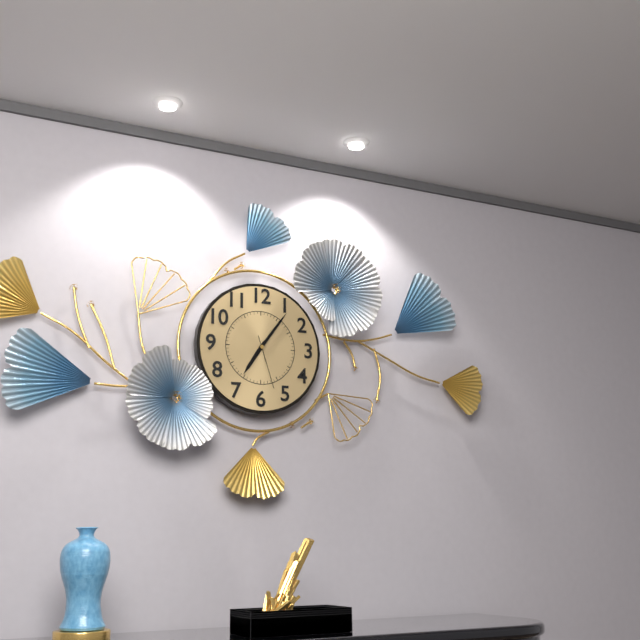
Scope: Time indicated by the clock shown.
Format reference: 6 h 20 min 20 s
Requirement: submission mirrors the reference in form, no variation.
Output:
7 h 06 min 27 s
